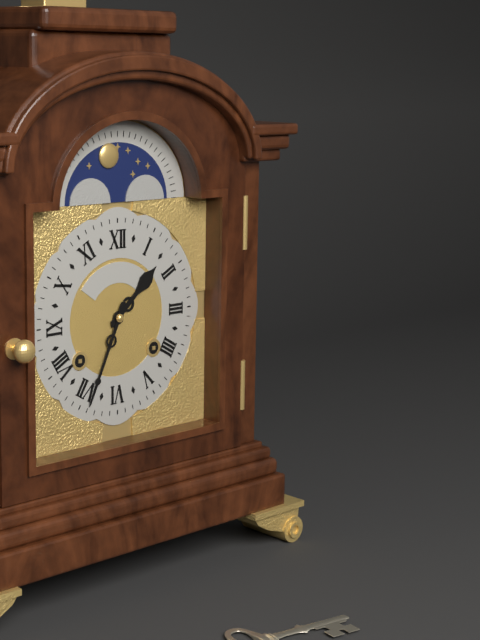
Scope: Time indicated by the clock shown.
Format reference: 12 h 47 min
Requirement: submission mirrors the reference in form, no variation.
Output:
1 h 34 min
